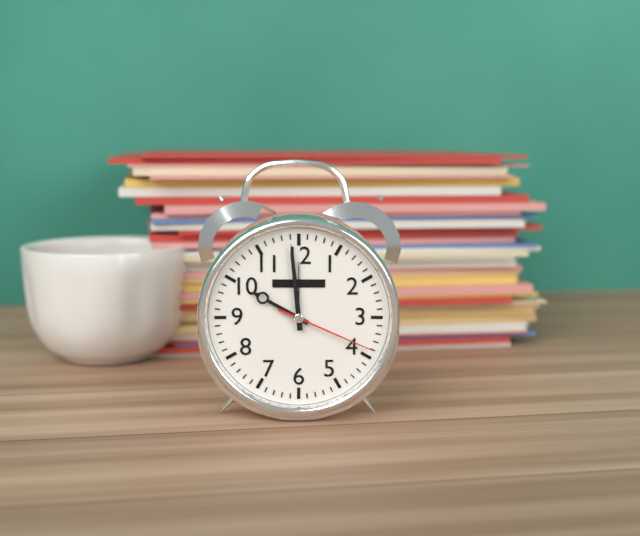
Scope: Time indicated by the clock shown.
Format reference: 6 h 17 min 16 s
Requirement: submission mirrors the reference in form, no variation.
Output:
9 h 59 min 19 s
